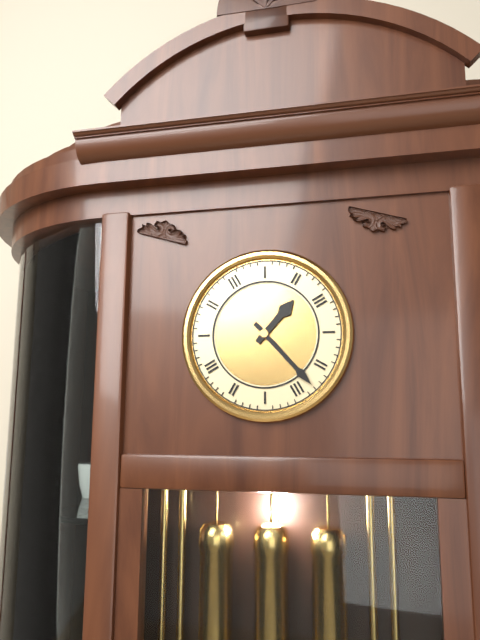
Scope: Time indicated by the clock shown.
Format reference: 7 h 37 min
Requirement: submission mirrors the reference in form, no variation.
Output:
1 h 23 min
